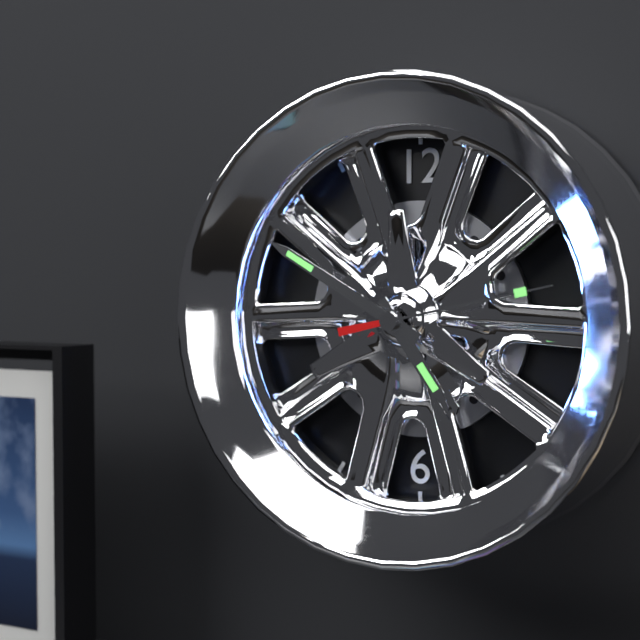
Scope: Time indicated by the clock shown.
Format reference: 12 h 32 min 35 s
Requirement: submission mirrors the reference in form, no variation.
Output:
4 h 50 min 13 s
